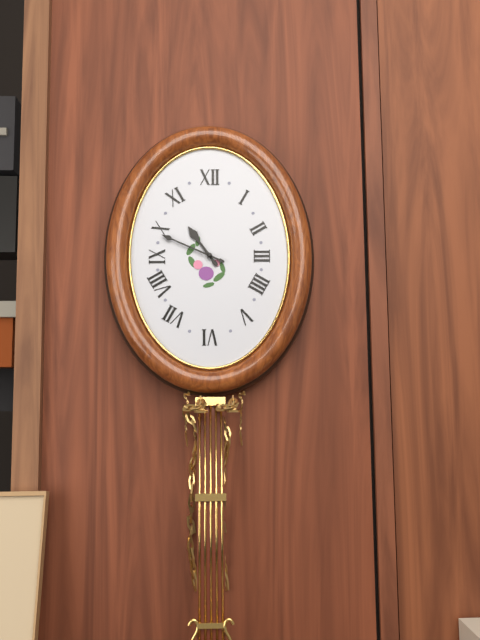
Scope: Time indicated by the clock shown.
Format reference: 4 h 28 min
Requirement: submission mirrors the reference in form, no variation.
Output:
10 h 49 min
